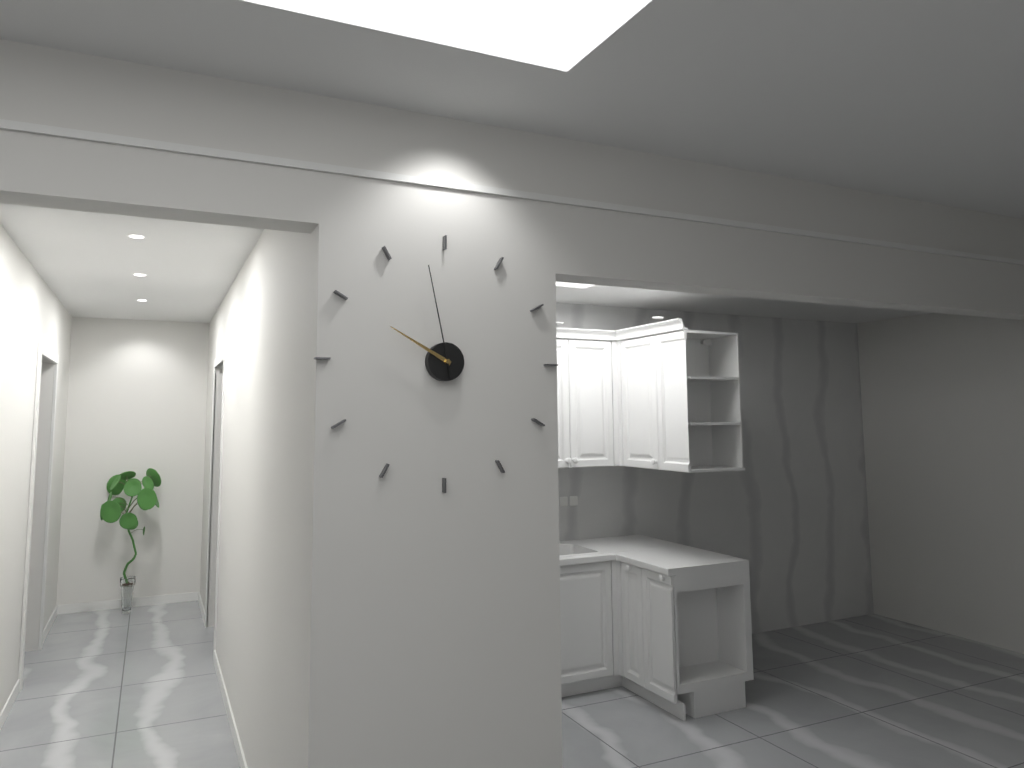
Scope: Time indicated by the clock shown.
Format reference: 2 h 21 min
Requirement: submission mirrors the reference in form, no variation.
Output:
9 h 58 min
